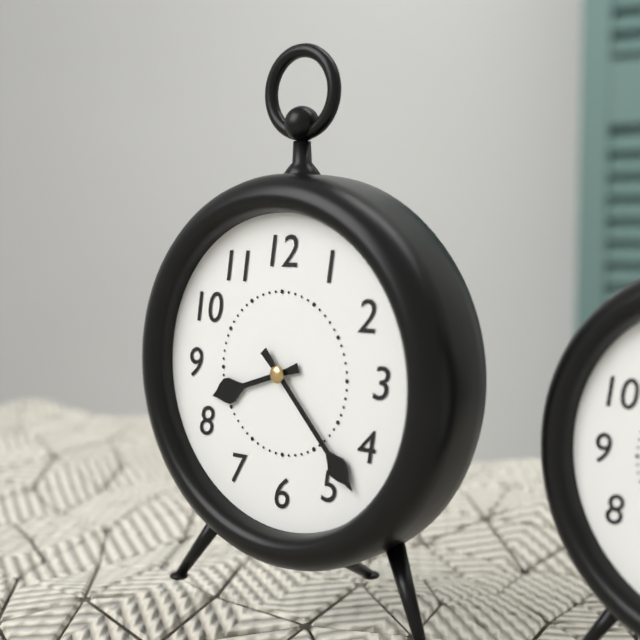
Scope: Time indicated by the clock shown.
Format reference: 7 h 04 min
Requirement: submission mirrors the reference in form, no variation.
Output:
8 h 23 min
